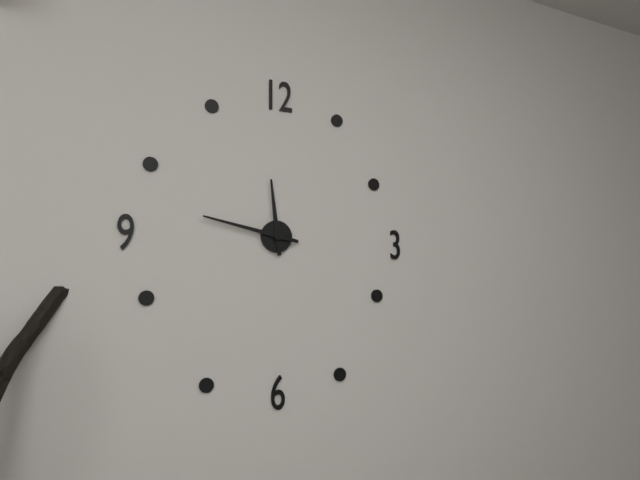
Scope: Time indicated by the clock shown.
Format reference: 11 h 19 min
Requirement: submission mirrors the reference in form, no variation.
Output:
11 h 47 min
